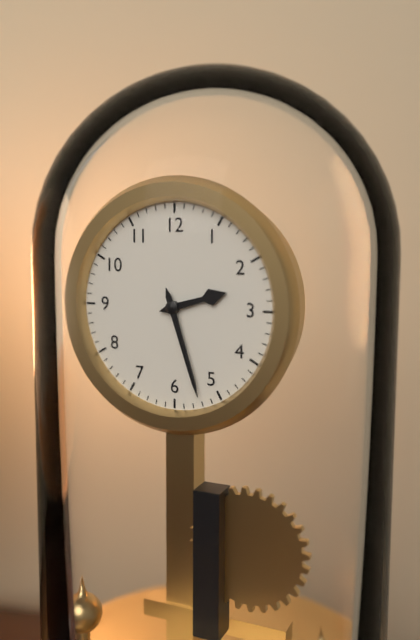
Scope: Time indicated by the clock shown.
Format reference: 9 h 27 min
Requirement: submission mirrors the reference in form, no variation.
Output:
2 h 27 min
